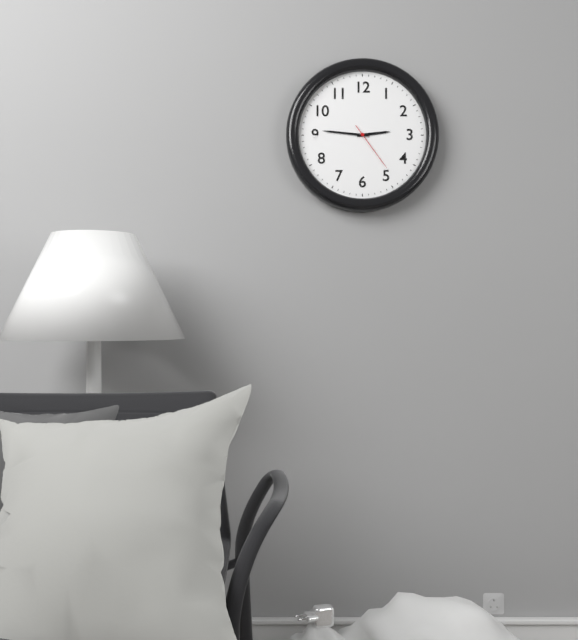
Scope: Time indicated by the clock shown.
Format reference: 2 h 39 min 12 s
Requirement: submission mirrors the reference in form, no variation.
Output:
2 h 46 min 24 s
